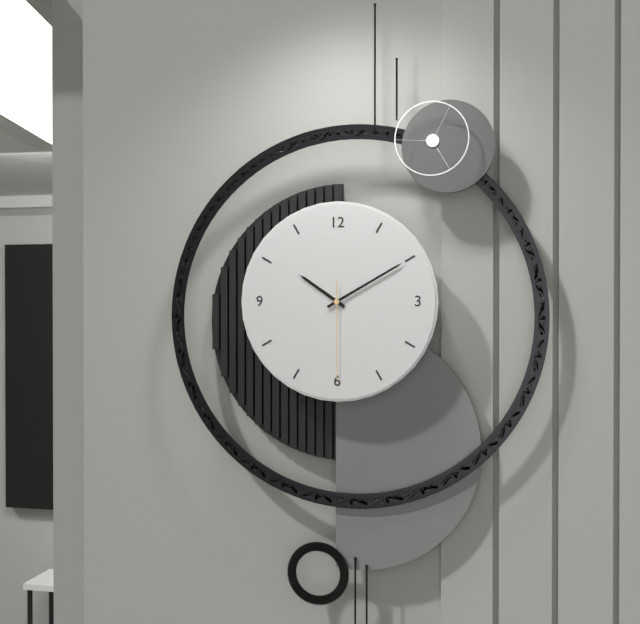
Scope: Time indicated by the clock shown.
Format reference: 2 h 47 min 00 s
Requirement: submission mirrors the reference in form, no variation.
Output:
10 h 10 min 30 s
